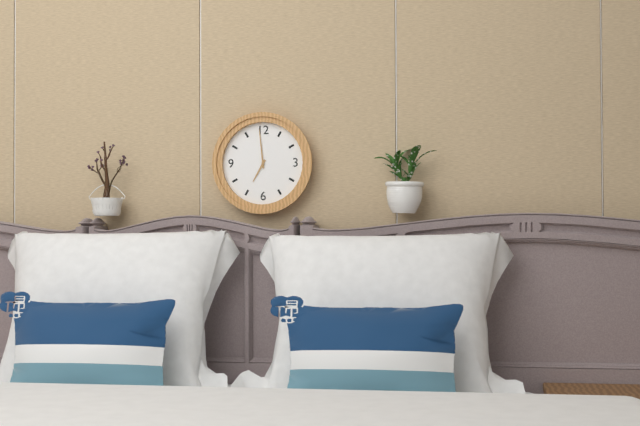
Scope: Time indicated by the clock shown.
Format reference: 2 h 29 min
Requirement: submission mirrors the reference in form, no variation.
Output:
6 h 59 min
